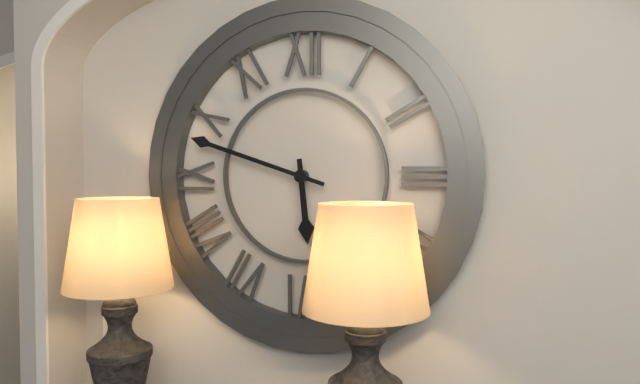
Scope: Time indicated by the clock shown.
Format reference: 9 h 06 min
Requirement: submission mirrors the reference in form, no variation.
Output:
5 h 48 min
